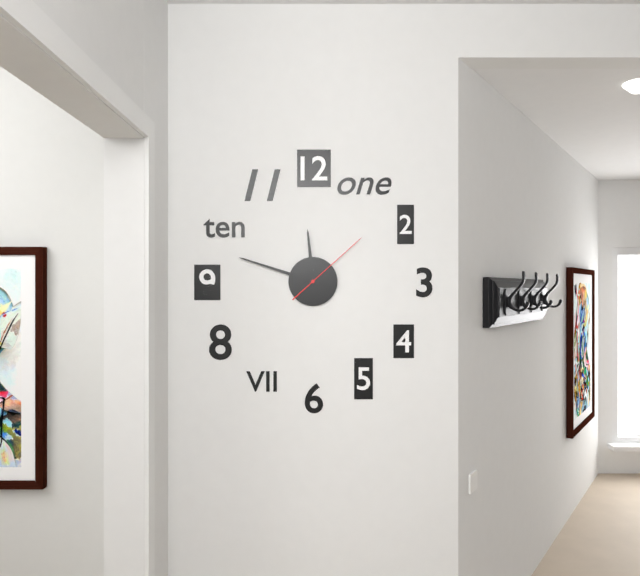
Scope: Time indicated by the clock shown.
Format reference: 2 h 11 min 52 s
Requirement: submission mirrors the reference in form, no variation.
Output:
11 h 48 min 08 s
